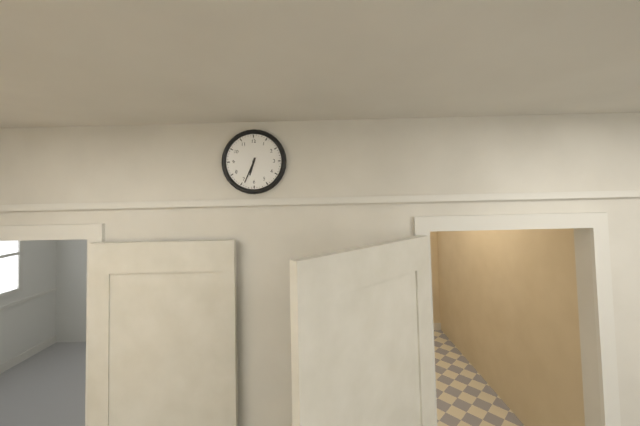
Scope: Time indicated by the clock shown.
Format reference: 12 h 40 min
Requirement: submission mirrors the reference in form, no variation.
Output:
6 h 34 min
